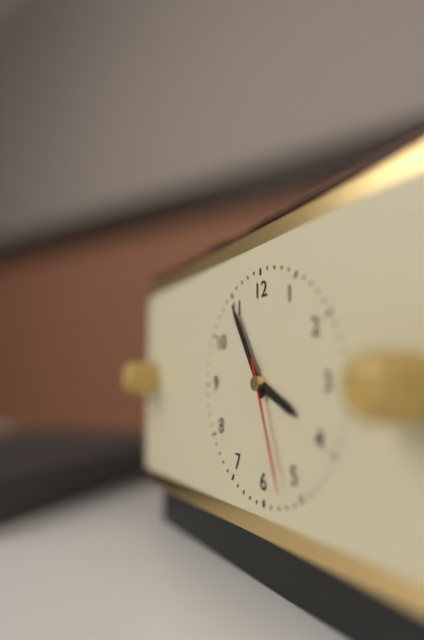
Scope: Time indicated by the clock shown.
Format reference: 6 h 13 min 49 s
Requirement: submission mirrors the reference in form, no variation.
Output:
3 h 55 min 27 s
